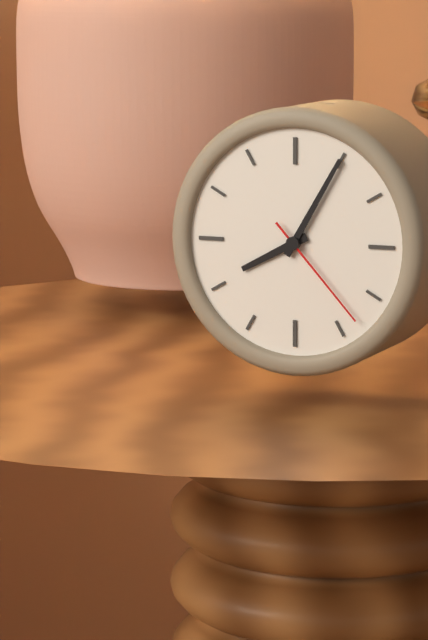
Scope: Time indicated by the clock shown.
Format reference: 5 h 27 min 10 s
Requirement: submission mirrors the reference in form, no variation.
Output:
8 h 05 min 23 s
